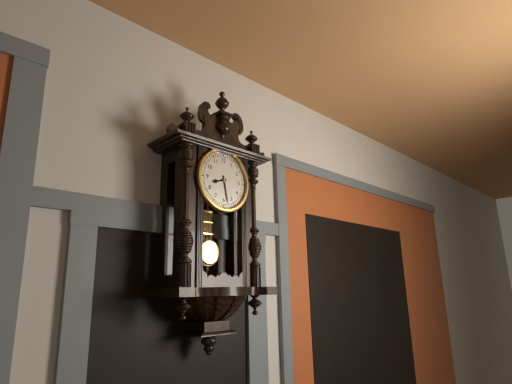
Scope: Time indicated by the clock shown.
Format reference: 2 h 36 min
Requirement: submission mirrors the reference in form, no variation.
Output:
8 h 28 min
